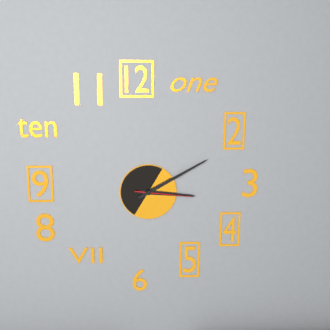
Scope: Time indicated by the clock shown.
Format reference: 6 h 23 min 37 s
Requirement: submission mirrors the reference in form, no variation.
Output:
3 h 10 min 16 s
